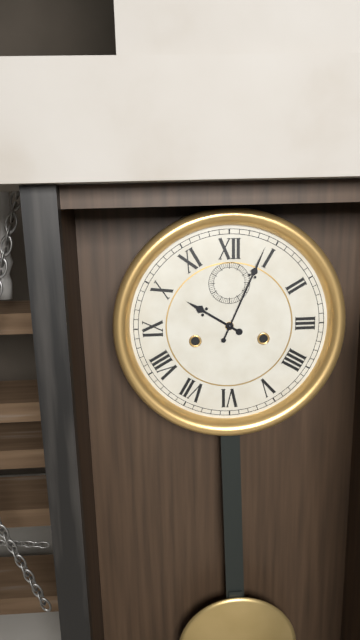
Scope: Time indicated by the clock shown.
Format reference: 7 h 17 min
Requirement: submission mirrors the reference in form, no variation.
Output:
10 h 04 min
